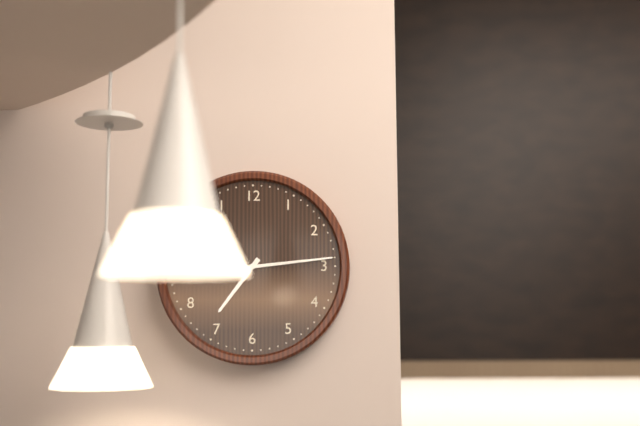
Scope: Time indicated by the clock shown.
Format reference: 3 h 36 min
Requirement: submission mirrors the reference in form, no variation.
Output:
7 h 14 min
